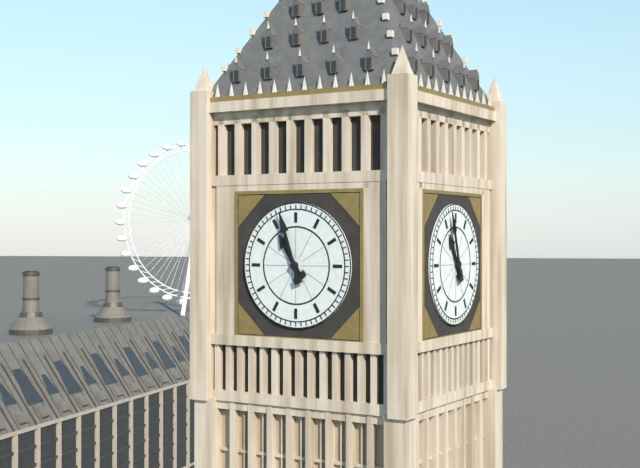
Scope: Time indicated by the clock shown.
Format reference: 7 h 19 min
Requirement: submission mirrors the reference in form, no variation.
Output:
10 h 57 min
